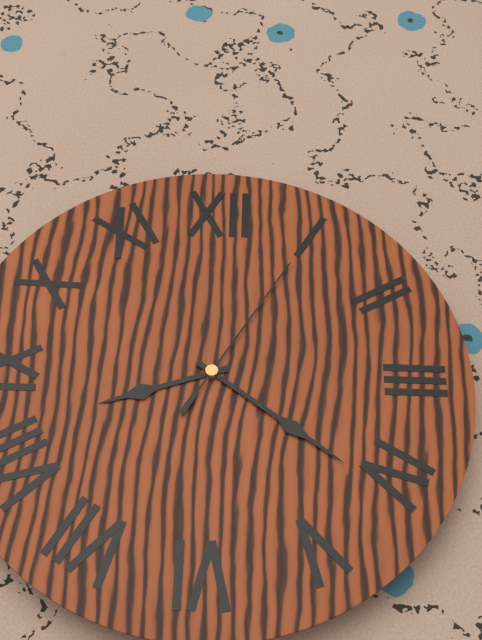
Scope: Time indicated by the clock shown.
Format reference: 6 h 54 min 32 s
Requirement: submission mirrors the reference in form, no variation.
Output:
8 h 21 min 05 s
